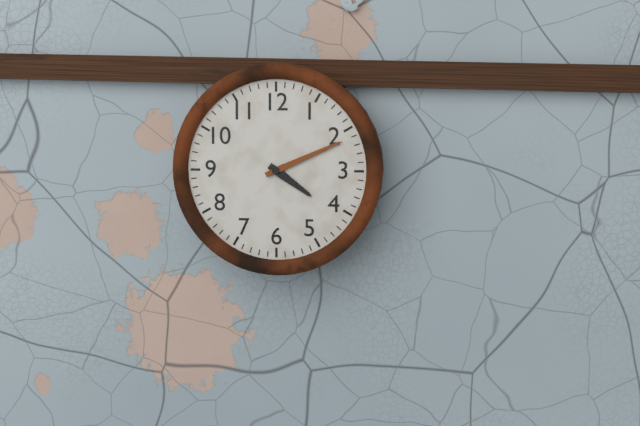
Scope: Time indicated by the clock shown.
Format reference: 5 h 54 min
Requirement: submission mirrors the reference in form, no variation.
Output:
4 h 11 min
